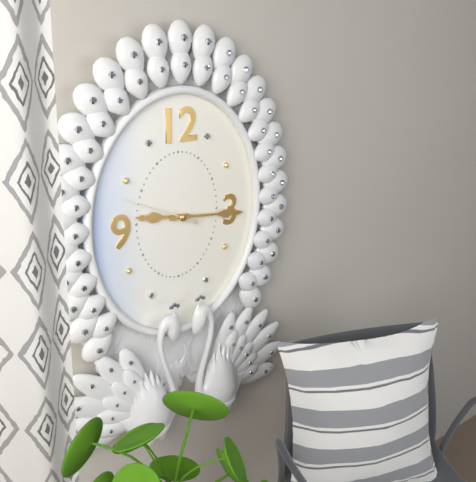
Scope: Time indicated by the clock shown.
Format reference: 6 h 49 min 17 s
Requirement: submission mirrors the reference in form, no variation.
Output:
9 h 16 min 49 s
